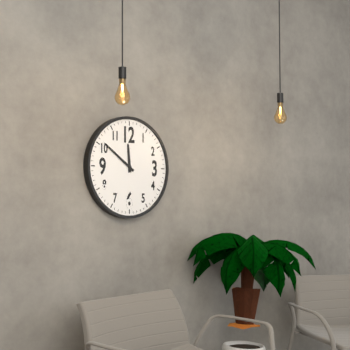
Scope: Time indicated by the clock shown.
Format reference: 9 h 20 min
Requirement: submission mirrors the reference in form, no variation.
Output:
11 h 51 min
